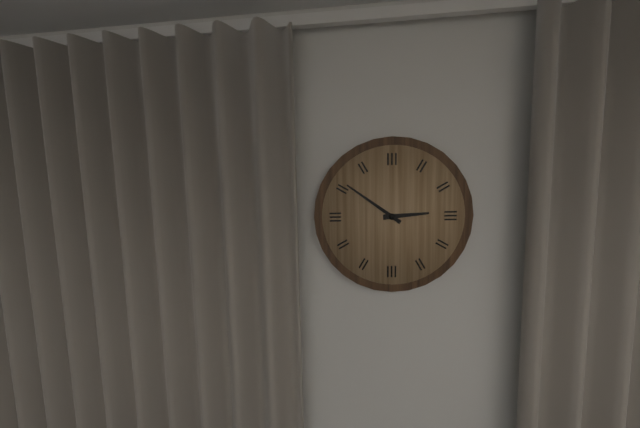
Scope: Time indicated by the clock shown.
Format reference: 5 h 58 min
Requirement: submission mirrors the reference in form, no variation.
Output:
2 h 51 min
